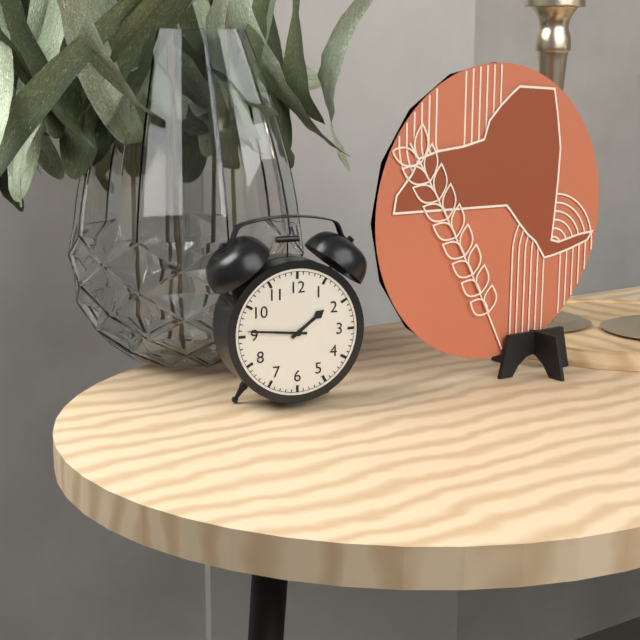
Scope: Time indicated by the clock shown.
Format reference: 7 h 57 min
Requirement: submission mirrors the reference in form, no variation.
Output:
1 h 46 min
